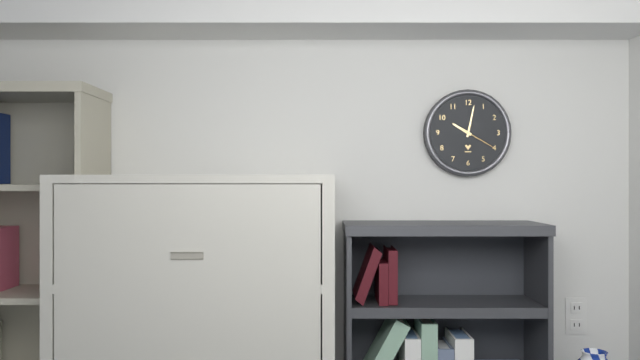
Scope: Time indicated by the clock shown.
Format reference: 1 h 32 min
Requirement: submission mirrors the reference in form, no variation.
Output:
10 h 02 min
